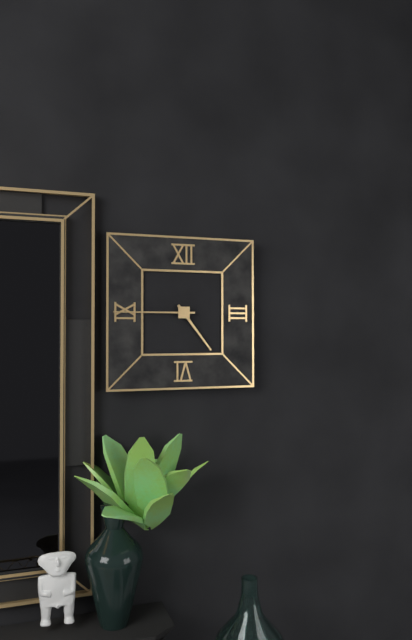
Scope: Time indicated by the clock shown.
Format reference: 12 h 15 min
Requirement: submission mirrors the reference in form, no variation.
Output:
4 h 45 min
